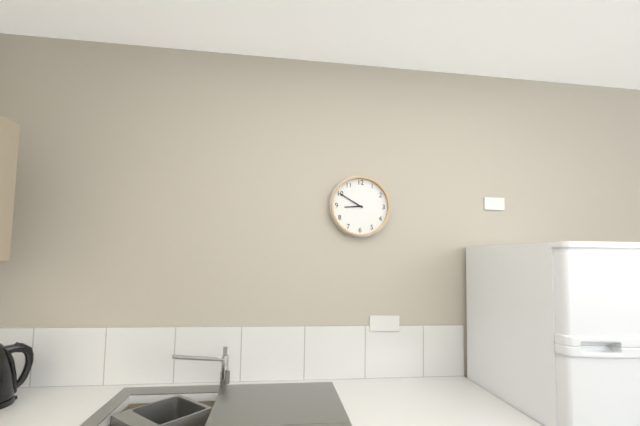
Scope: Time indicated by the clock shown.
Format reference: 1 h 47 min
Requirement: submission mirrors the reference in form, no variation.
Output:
8 h 50 min
